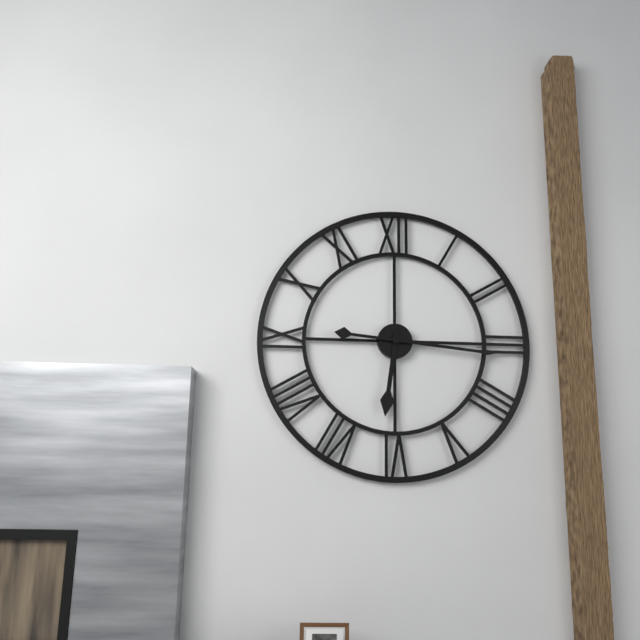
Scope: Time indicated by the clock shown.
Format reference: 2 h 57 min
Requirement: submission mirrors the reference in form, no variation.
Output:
6 h 16 min
